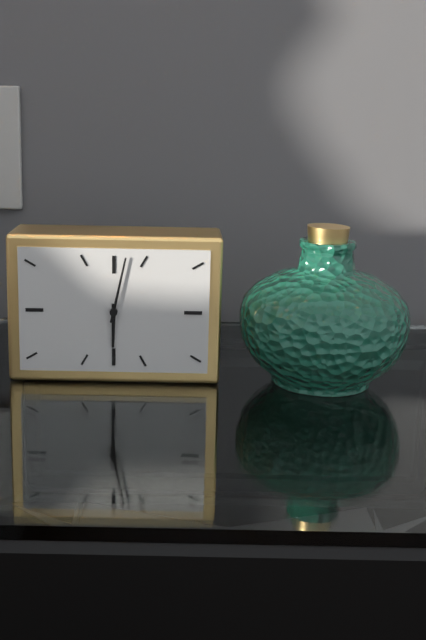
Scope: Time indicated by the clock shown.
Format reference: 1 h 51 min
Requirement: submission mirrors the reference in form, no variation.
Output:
6 h 02 min
